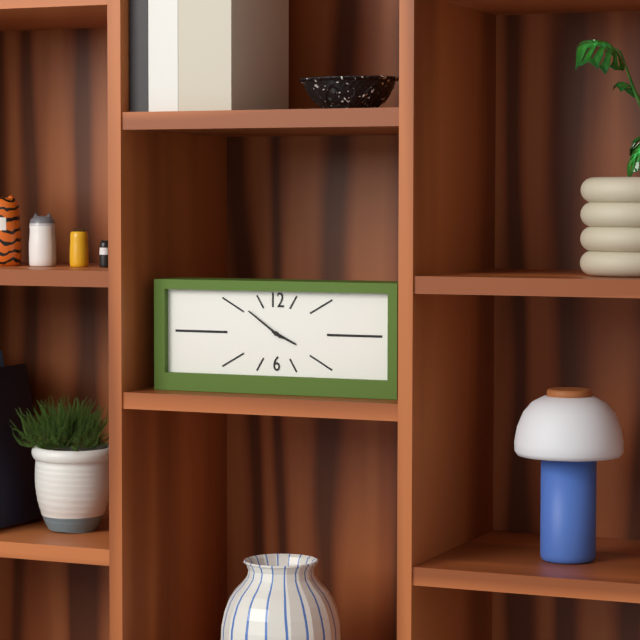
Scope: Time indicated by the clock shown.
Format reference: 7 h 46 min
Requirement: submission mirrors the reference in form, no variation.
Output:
3 h 51 min
